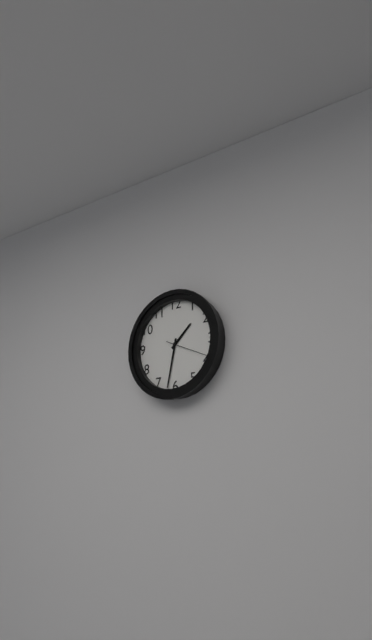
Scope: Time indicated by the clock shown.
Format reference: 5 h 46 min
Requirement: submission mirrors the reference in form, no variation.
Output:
1 h 32 min
